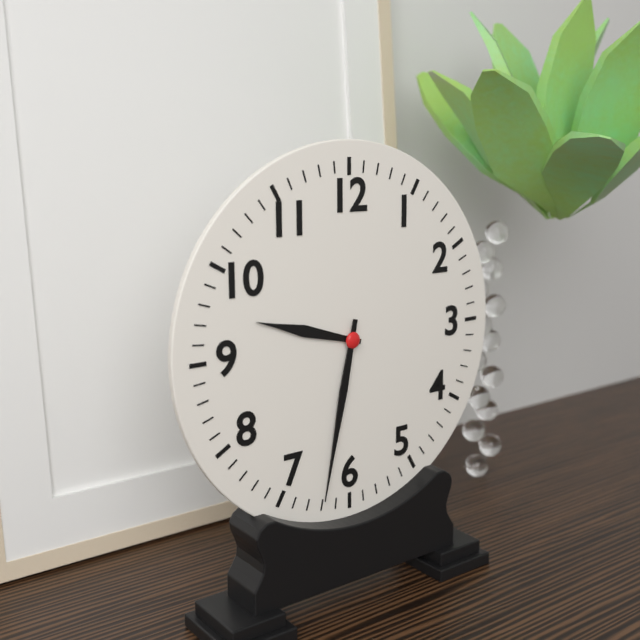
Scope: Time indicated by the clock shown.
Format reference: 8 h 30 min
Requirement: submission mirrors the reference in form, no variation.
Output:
9 h 32 min
